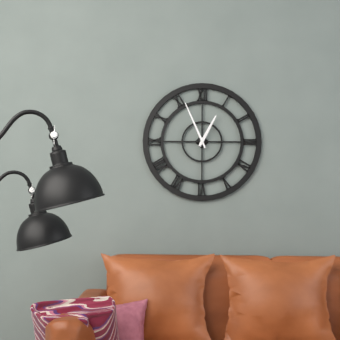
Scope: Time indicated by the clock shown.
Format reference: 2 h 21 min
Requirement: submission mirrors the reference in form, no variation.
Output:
12 h 56 min
